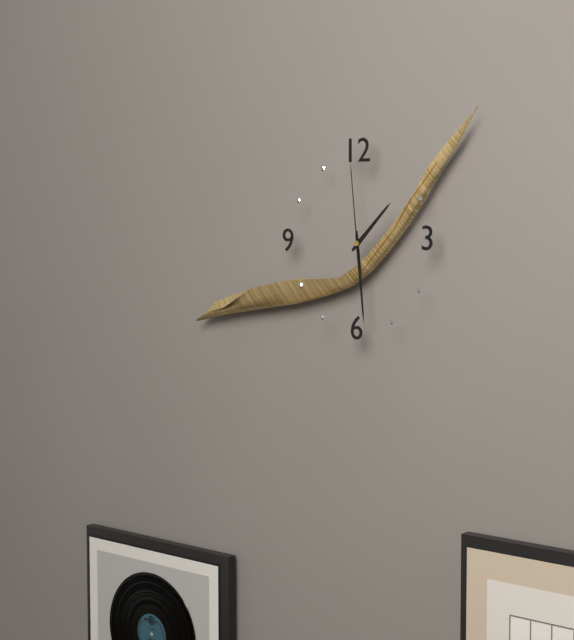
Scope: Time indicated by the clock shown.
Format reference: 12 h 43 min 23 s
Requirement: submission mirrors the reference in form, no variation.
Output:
1 h 29 min 59 s
